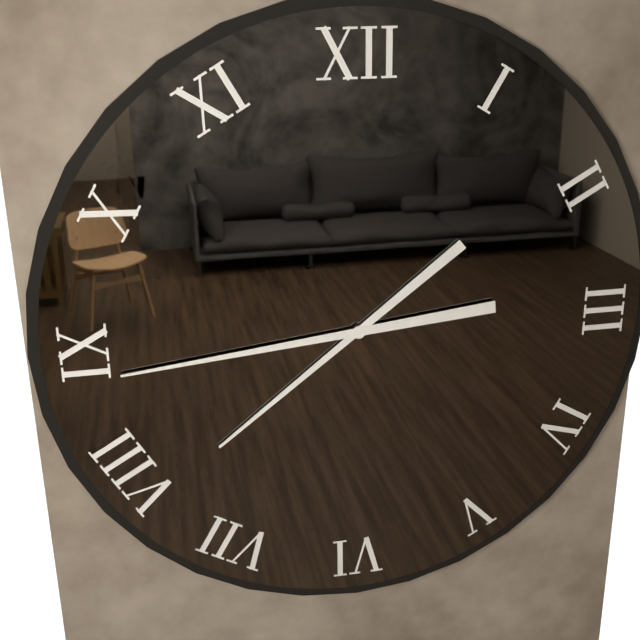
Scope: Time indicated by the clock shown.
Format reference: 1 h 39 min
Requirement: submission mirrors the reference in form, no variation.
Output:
7 h 44 min
